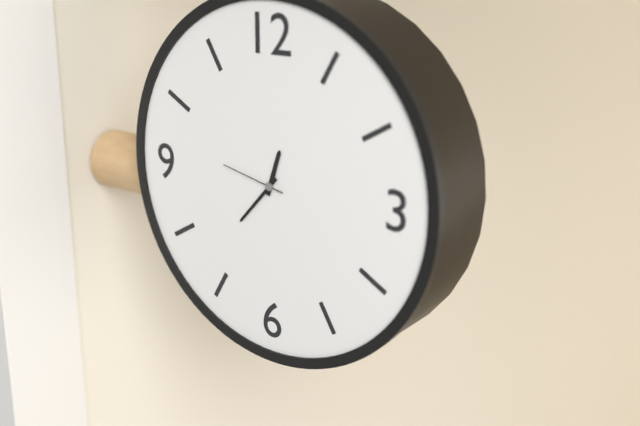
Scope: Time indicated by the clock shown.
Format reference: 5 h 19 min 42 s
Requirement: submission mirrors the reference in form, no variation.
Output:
12 h 37 min 47 s
